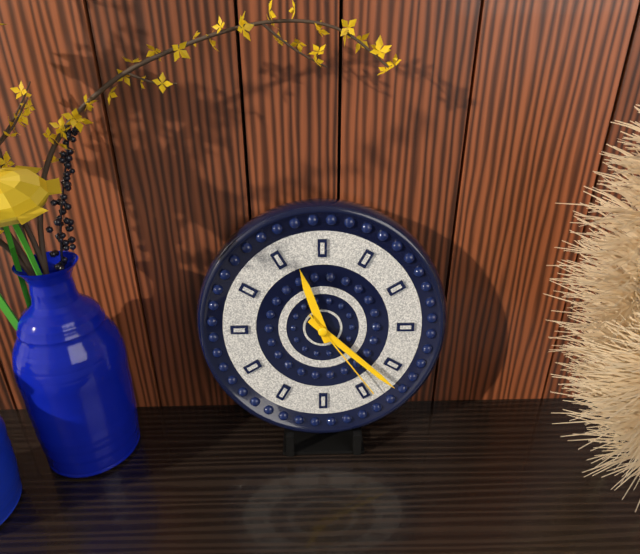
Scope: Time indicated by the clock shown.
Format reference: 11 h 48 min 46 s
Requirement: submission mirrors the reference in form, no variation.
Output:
11 h 22 min 24 s
